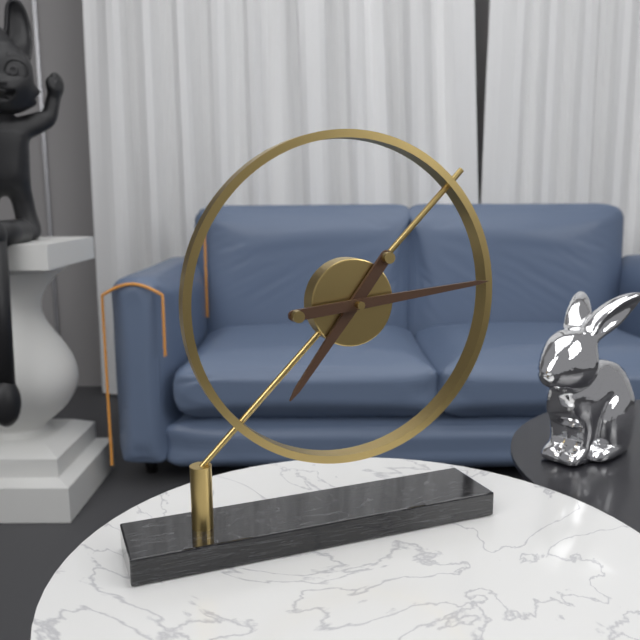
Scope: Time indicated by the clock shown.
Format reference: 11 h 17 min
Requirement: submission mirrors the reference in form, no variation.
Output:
7 h 14 min
